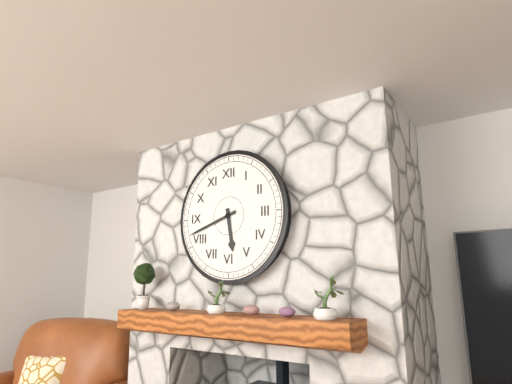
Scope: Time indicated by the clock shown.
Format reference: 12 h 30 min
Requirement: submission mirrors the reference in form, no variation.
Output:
5 h 42 min
